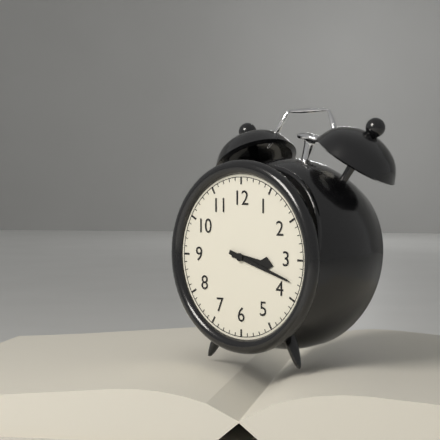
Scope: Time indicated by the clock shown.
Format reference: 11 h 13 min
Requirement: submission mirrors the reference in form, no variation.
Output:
3 h 18 min
